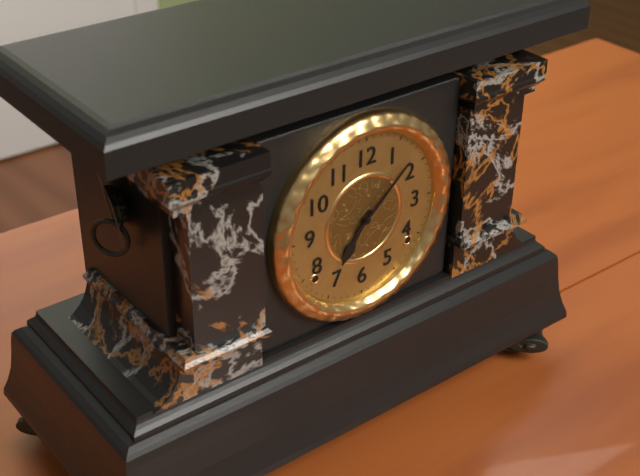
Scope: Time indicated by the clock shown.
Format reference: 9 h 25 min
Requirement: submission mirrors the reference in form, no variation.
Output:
7 h 08 min
